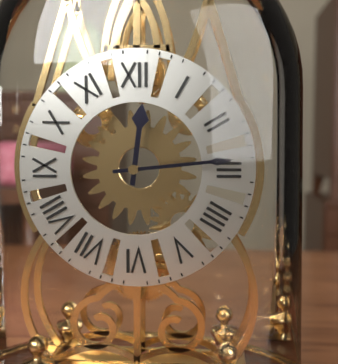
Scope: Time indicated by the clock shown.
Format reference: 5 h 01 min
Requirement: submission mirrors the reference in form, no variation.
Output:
12 h 14 min
